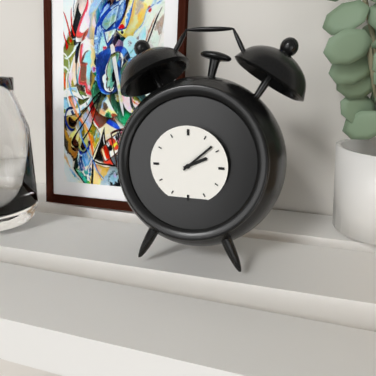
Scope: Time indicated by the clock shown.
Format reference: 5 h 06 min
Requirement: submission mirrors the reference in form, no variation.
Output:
2 h 08 min
